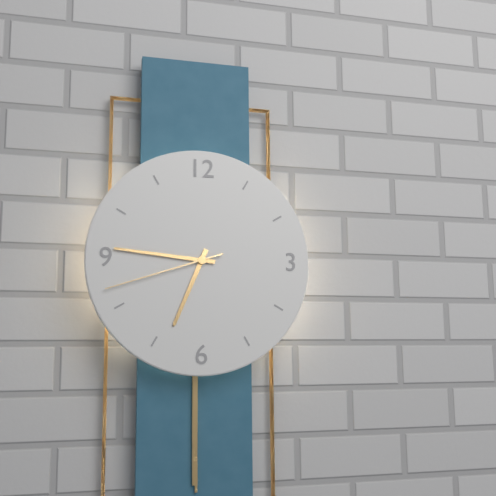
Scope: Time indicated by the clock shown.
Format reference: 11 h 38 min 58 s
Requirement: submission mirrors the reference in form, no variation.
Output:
6 h 46 min 42 s
